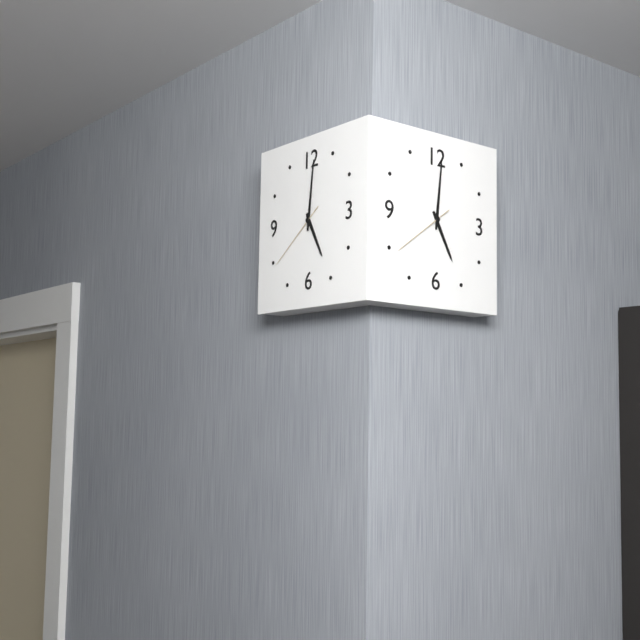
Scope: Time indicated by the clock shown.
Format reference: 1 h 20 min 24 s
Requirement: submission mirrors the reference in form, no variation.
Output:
5 h 01 min 39 s
